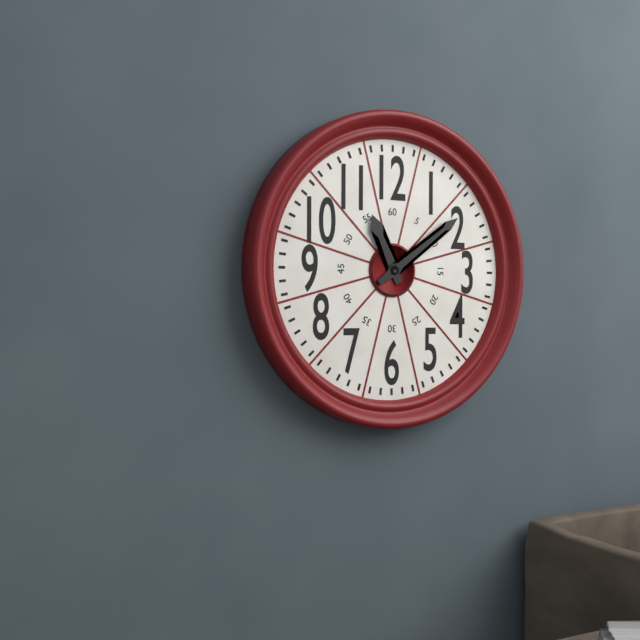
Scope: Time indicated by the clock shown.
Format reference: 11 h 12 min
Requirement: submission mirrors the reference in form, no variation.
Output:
11 h 09 min
